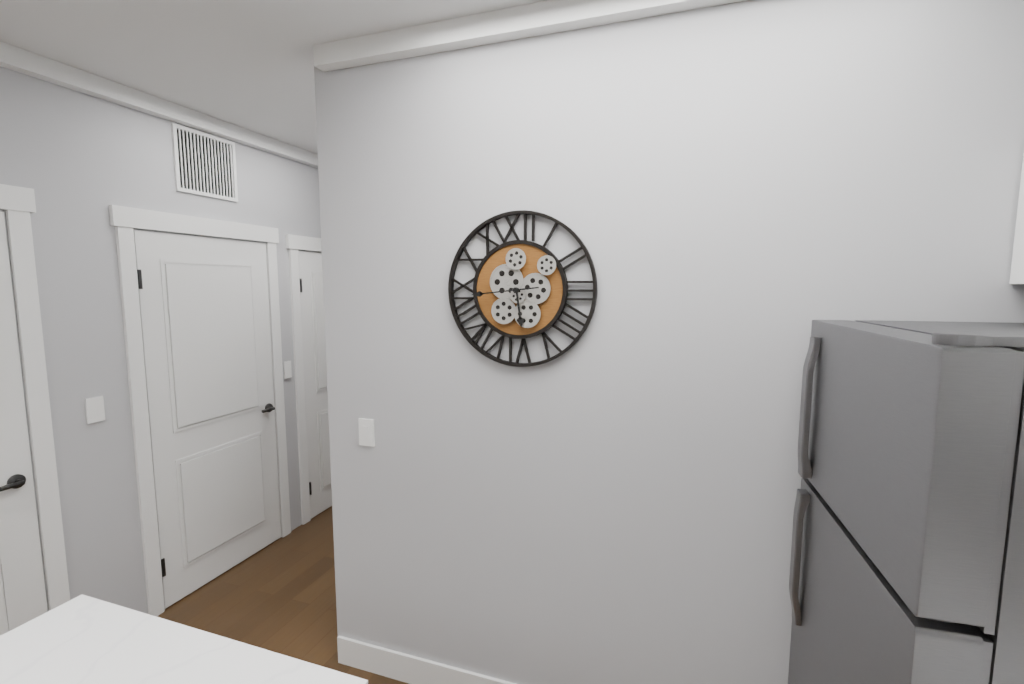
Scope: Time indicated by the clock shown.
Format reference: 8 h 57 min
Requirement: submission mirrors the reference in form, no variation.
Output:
5 h 44 min
